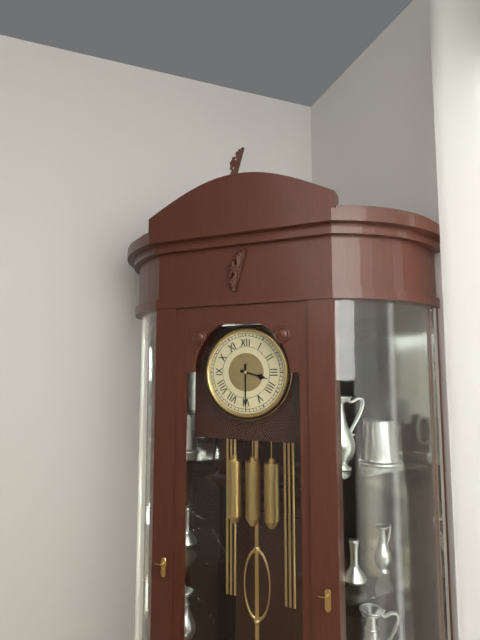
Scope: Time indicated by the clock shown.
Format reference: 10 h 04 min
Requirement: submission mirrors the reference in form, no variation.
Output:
3 h 30 min
